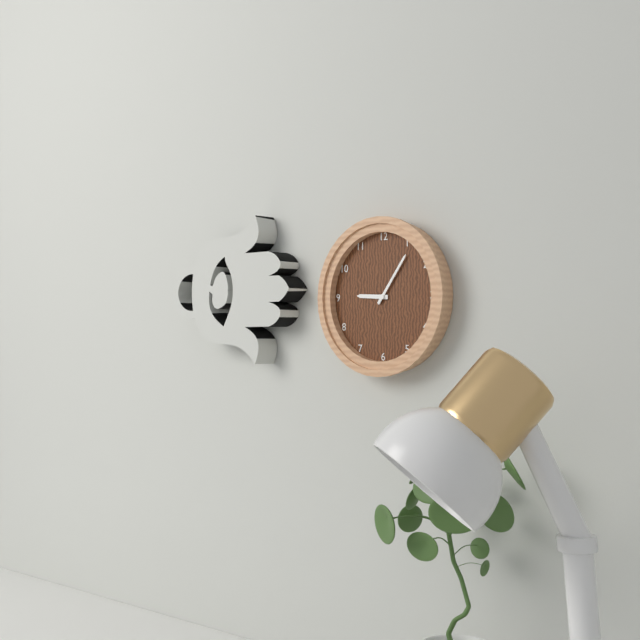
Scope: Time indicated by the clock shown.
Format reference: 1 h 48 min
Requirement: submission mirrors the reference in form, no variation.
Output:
9 h 06 min
